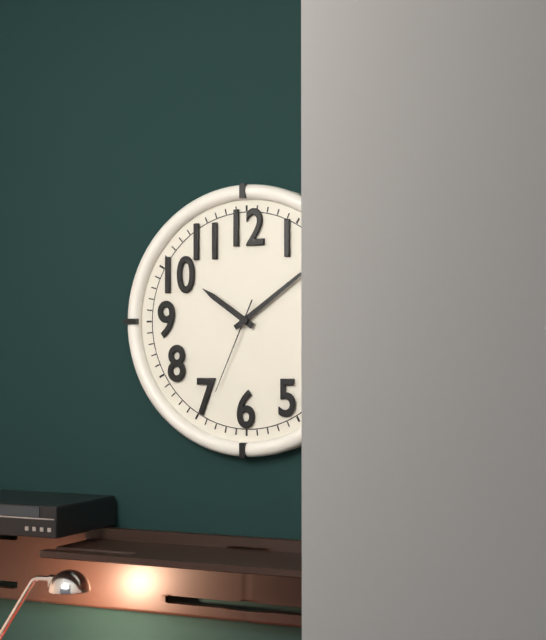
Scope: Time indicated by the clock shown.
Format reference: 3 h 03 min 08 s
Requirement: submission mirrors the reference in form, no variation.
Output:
10 h 09 min 34 s
